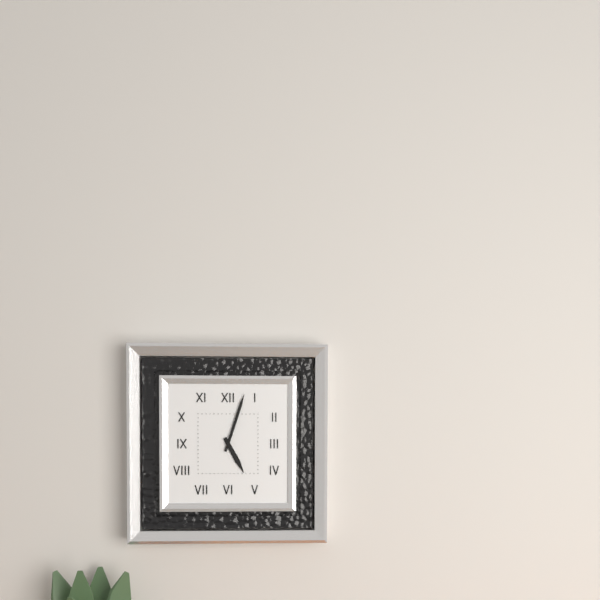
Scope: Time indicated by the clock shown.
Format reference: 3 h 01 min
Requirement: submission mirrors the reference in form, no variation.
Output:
5 h 03 min
